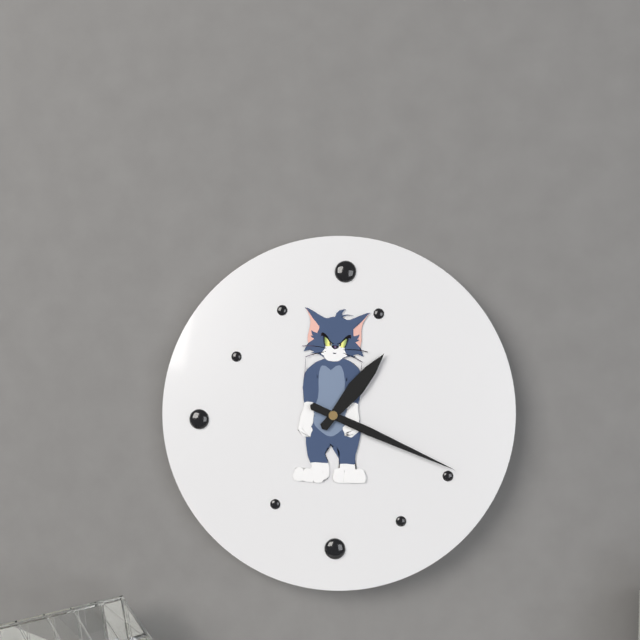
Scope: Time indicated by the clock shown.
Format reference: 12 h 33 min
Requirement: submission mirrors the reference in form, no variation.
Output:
1 h 19 min
